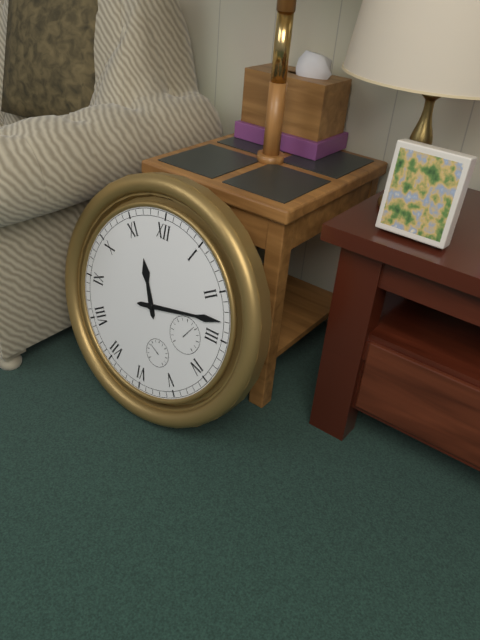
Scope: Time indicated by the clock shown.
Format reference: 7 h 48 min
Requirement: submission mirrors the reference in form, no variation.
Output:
11 h 13 min
